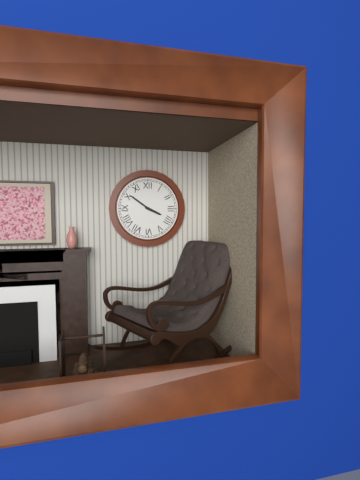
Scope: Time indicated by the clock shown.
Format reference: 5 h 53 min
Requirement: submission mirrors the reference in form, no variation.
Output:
3 h 51 min
